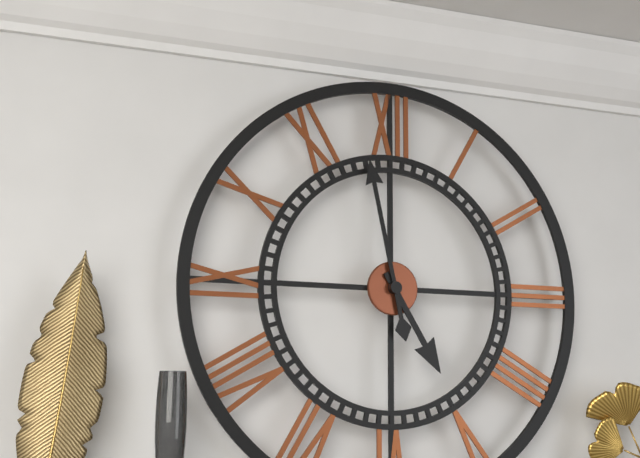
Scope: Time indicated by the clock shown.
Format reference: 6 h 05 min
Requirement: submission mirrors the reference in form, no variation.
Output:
4 h 58 min
